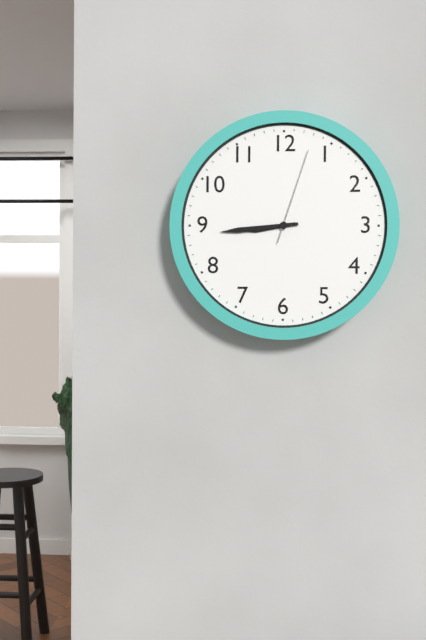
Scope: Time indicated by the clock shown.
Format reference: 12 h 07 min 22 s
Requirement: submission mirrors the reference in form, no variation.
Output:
8 h 44 min 03 s
